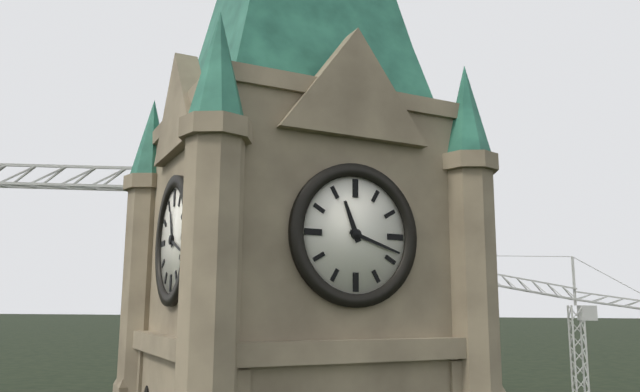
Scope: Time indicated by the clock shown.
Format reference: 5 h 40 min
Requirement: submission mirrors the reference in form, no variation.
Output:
11 h 18 min
